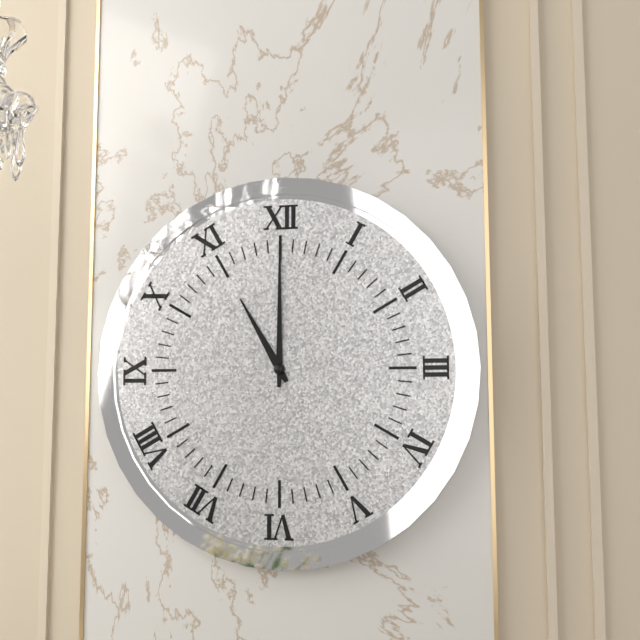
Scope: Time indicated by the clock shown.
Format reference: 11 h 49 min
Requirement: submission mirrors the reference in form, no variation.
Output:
11 h 00 min
